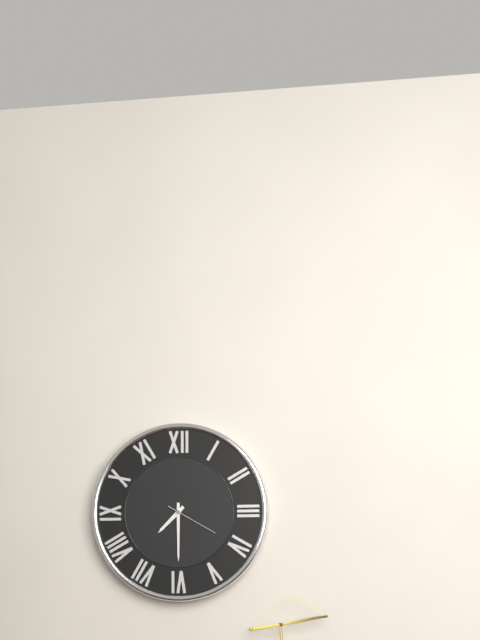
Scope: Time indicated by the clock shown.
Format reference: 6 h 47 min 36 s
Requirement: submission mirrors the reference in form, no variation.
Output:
7 h 30 min 20 s
